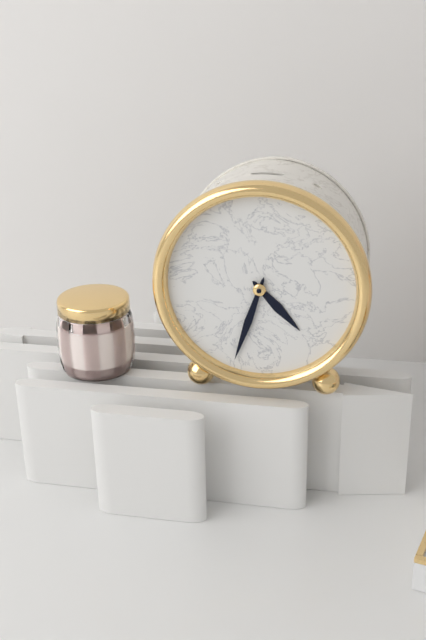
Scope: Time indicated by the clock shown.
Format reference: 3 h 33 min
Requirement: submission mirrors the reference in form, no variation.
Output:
4 h 33 min
